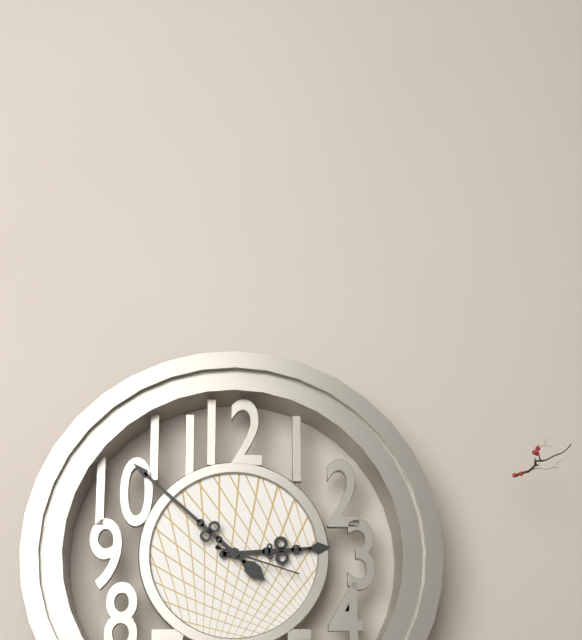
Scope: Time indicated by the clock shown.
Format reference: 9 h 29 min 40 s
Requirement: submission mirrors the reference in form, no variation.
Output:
2 h 52 min 18 s
